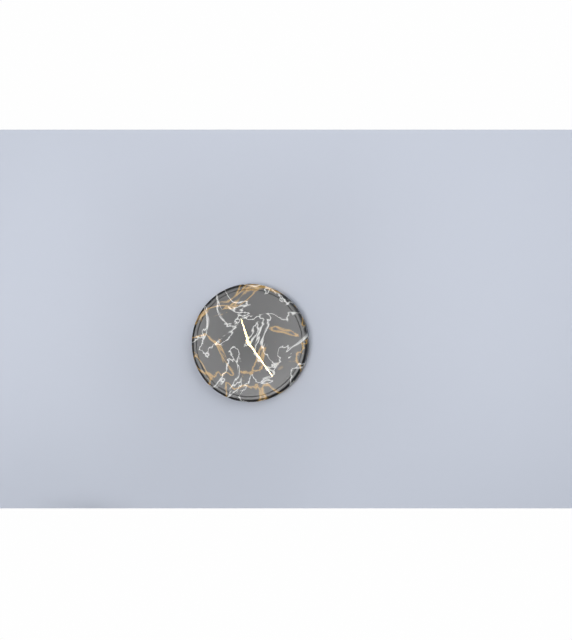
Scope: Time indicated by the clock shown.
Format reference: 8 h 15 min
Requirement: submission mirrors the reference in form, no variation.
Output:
11 h 24 min
